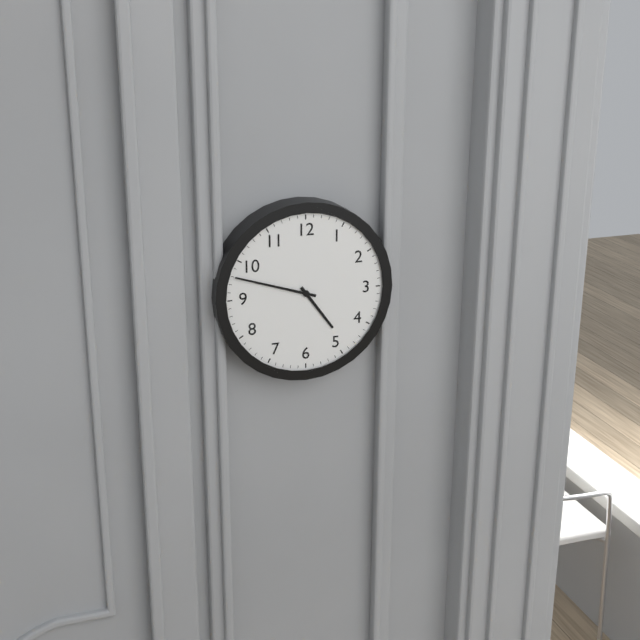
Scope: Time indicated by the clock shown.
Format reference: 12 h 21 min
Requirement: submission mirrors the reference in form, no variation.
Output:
4 h 48 min
